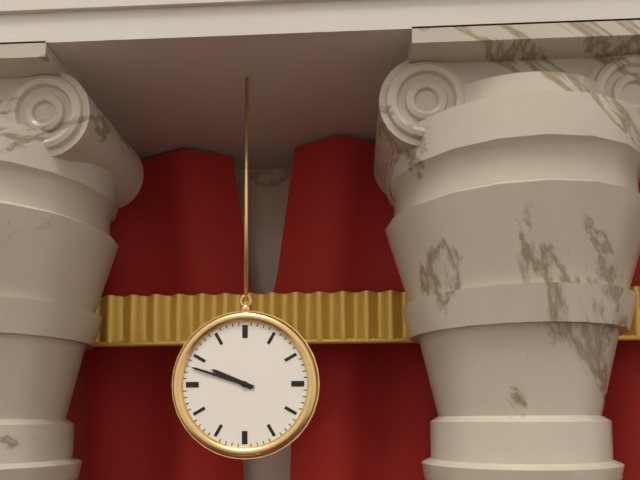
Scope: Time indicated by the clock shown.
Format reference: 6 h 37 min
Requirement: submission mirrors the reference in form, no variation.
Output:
9 h 48 min
